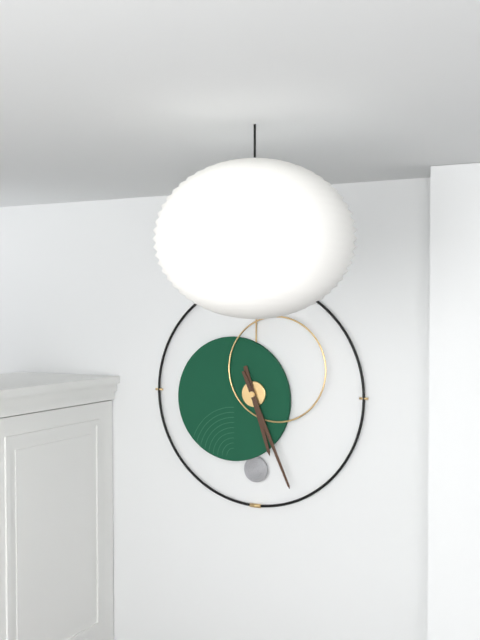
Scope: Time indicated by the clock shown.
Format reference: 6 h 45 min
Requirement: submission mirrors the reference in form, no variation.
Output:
5 h 26 min
